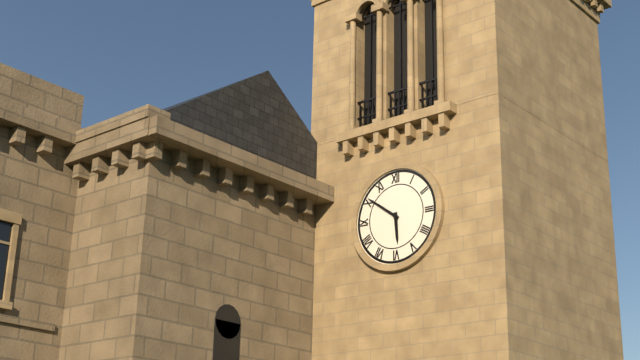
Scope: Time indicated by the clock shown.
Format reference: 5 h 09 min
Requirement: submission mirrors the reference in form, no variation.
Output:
5 h 51 min
